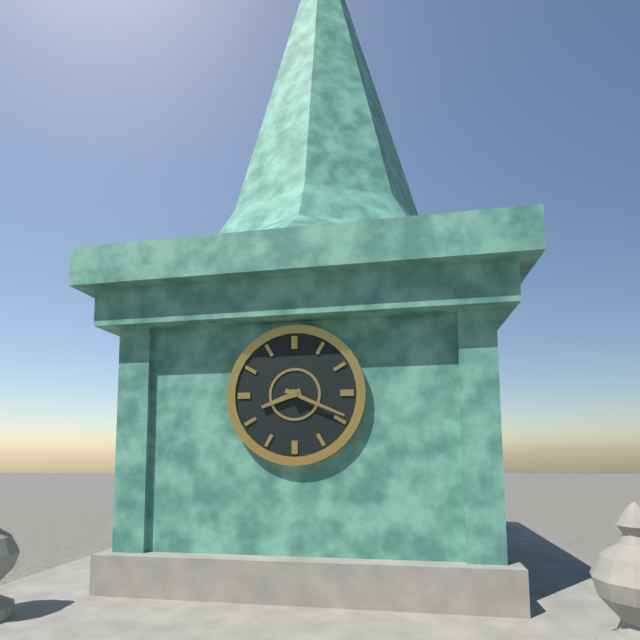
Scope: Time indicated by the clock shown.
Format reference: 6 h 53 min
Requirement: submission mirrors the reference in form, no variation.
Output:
8 h 19 min
